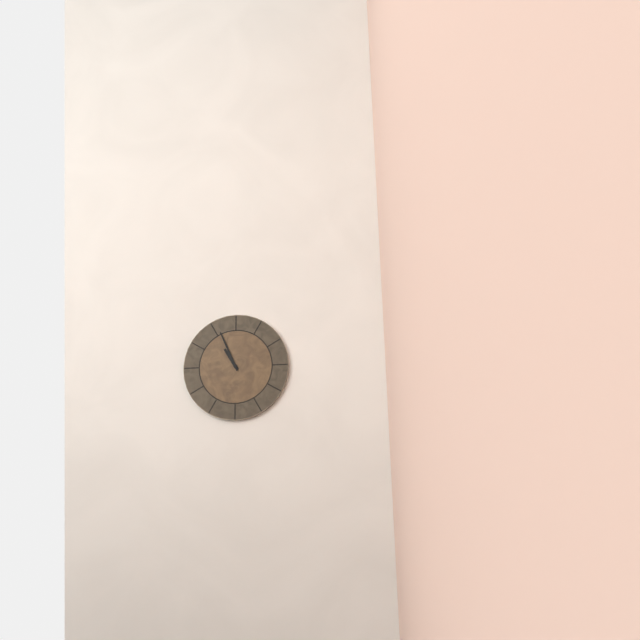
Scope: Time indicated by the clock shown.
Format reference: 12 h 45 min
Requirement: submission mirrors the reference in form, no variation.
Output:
10 h 56 min
